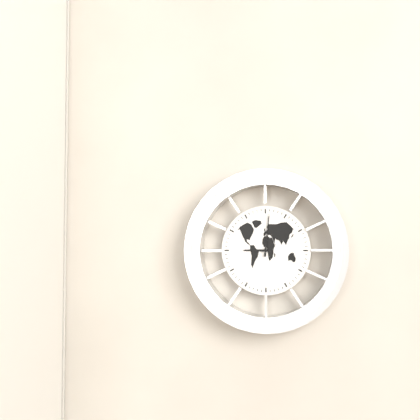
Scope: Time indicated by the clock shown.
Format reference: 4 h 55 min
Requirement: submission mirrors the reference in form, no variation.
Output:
9 h 01 min
